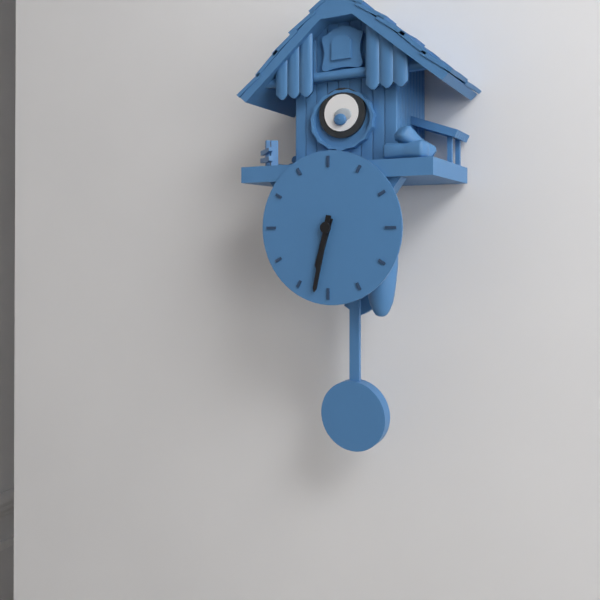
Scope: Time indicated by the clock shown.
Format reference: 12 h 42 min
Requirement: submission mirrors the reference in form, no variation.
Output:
6 h 32 min
